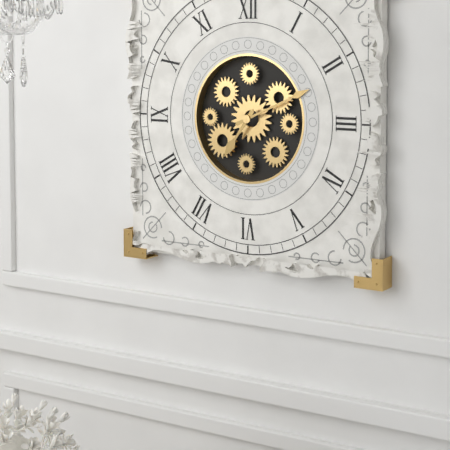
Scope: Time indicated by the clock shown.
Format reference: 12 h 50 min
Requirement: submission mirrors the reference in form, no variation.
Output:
7 h 11 min
